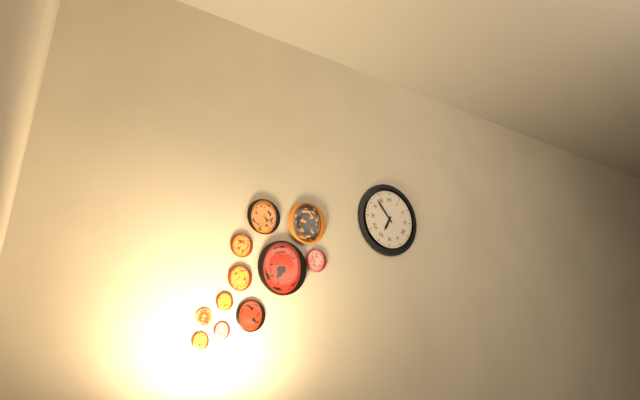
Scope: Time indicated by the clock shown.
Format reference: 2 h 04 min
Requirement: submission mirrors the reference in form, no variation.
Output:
6 h 53 min
